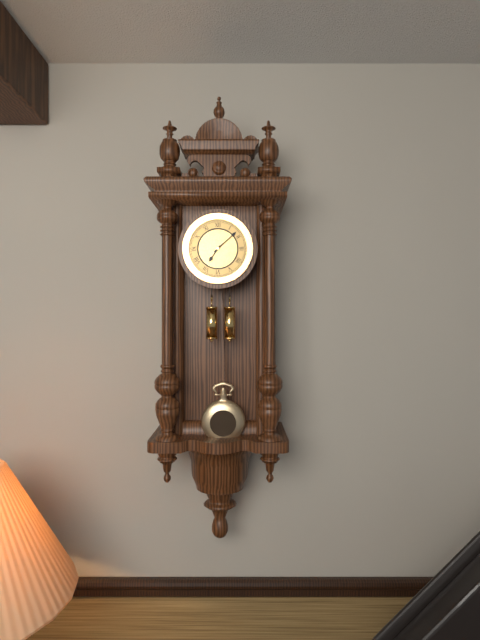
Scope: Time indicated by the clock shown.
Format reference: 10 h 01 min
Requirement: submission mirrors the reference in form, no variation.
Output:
7 h 08 min
